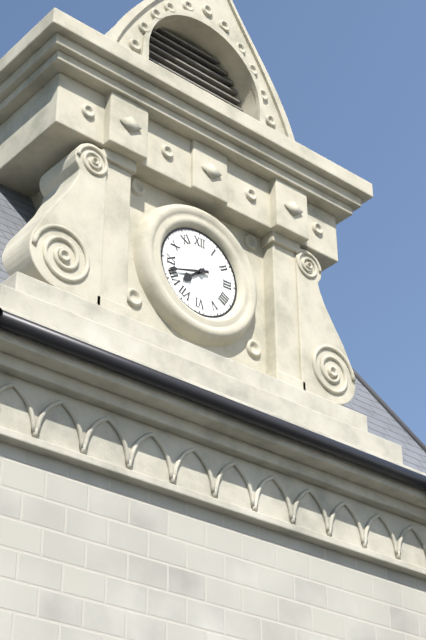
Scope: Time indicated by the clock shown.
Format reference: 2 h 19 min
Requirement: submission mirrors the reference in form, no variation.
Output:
7 h 42 min
